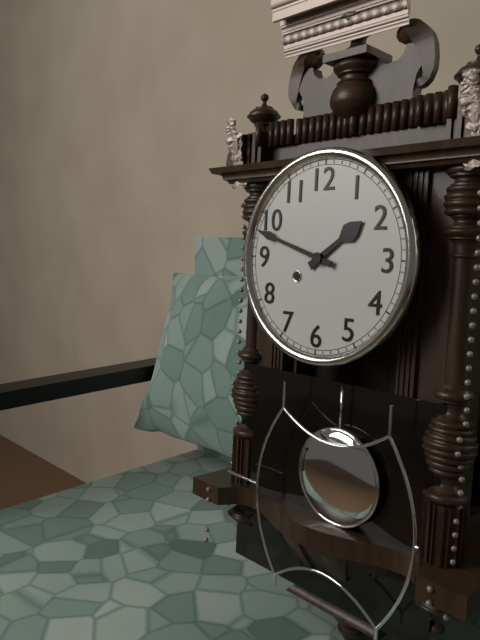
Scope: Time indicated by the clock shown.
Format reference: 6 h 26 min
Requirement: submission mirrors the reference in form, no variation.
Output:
1 h 48 min
